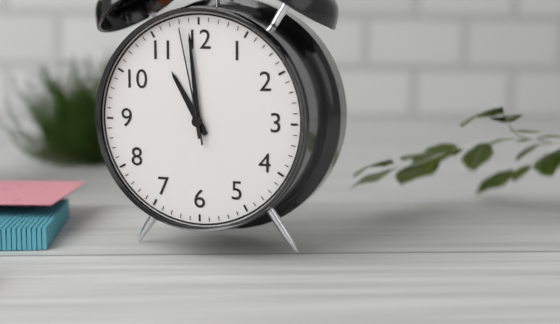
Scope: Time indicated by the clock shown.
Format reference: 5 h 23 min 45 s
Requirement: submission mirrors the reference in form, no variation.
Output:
10 h 59 min 58 s
